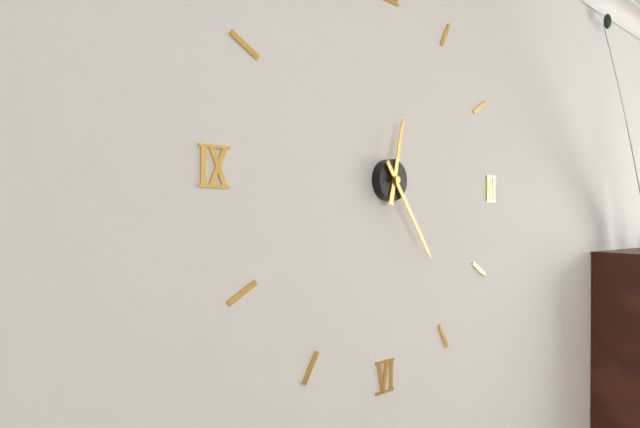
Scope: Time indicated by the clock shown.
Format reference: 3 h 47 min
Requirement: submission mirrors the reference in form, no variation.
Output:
12 h 24 min
